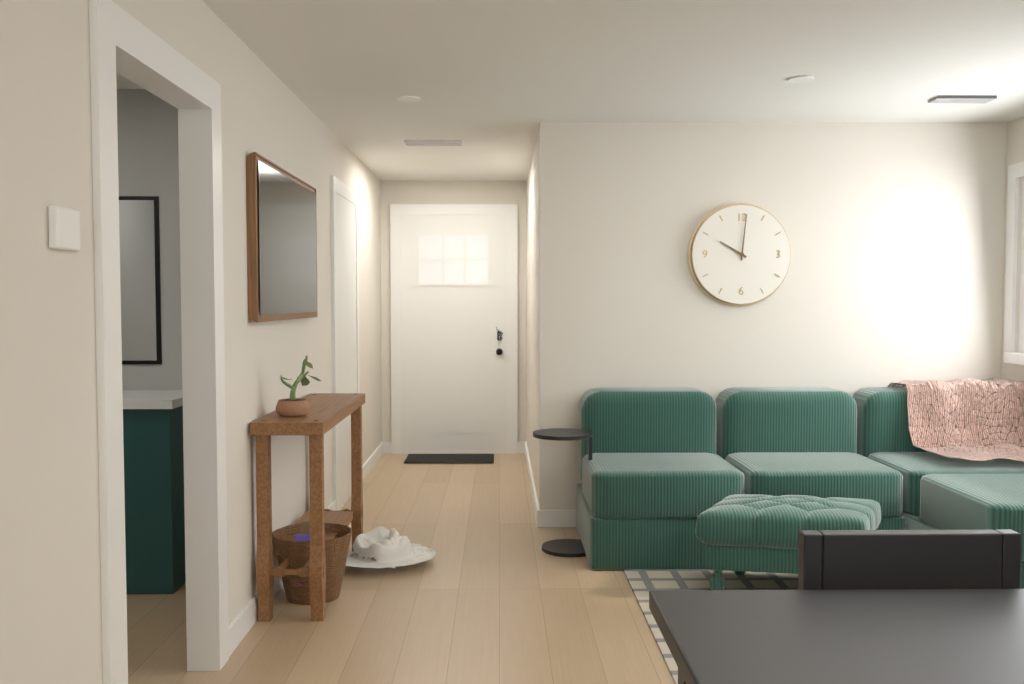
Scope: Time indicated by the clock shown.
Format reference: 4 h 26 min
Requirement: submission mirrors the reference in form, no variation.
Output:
10 h 01 min
